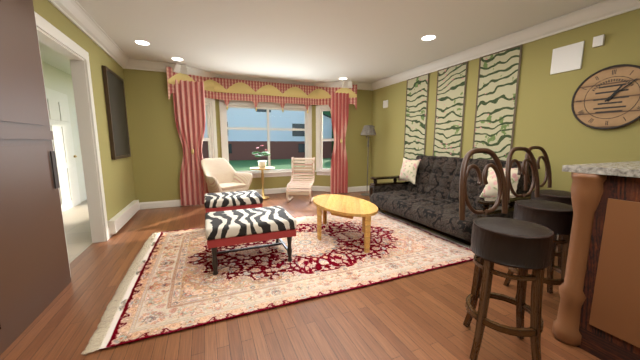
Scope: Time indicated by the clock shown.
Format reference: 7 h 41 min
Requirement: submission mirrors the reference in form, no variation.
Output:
1 h 08 min
